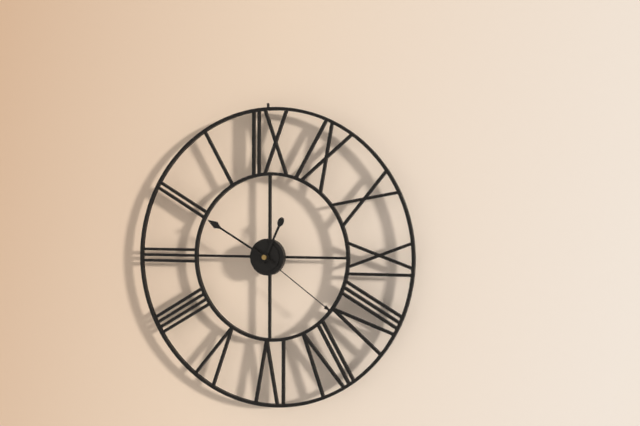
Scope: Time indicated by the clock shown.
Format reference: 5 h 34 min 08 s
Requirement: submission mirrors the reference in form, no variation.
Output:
12 h 50 min 21 s
